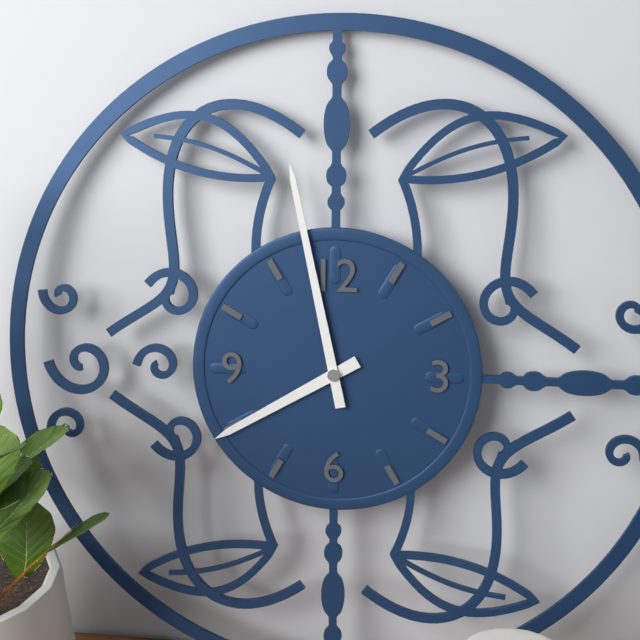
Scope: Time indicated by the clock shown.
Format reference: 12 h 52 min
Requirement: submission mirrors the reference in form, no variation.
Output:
7 h 58 min
